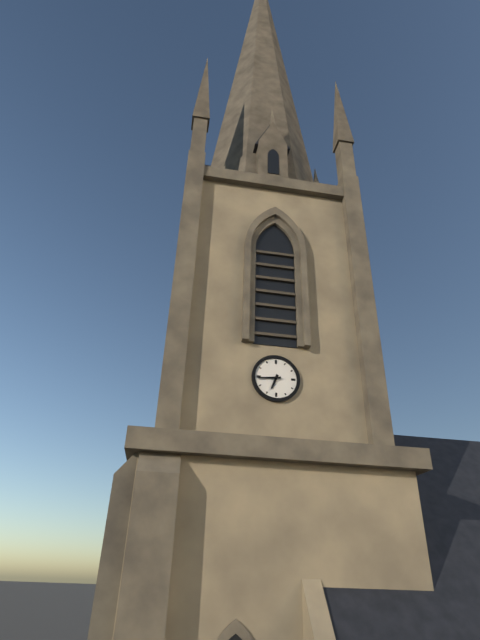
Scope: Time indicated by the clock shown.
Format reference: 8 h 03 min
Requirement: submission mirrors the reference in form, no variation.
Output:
6 h 44 min
